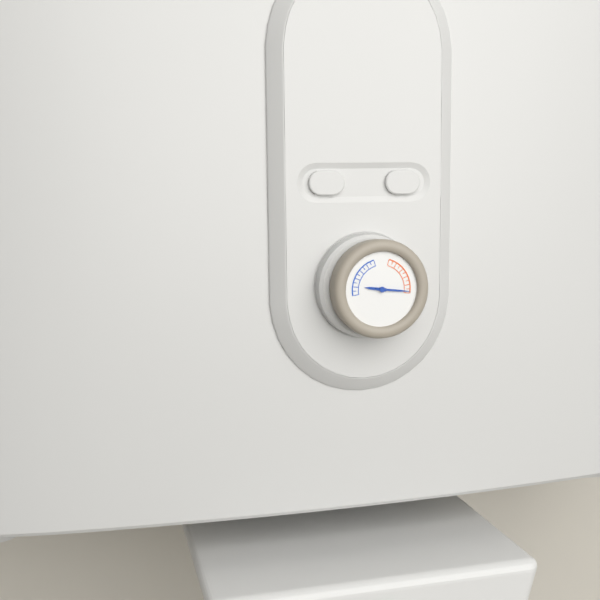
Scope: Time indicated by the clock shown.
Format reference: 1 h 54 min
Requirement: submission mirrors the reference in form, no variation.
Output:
9 h 16 min
